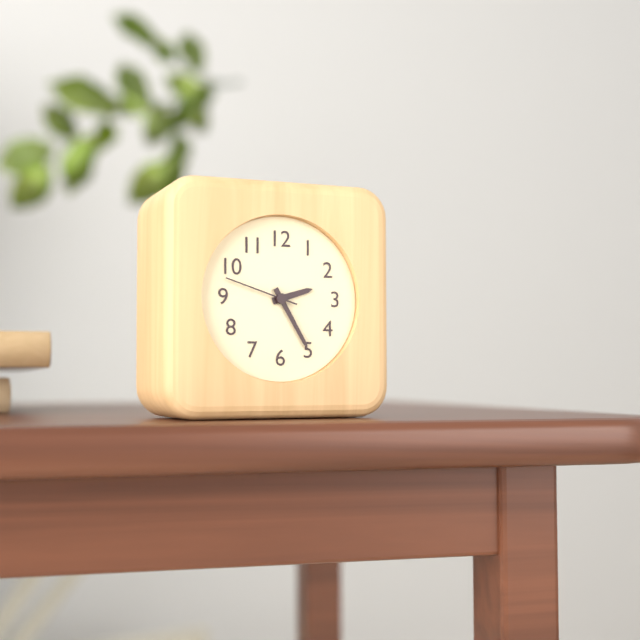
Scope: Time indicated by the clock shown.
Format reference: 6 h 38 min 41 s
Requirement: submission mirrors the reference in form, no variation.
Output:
2 h 25 min 48 s
